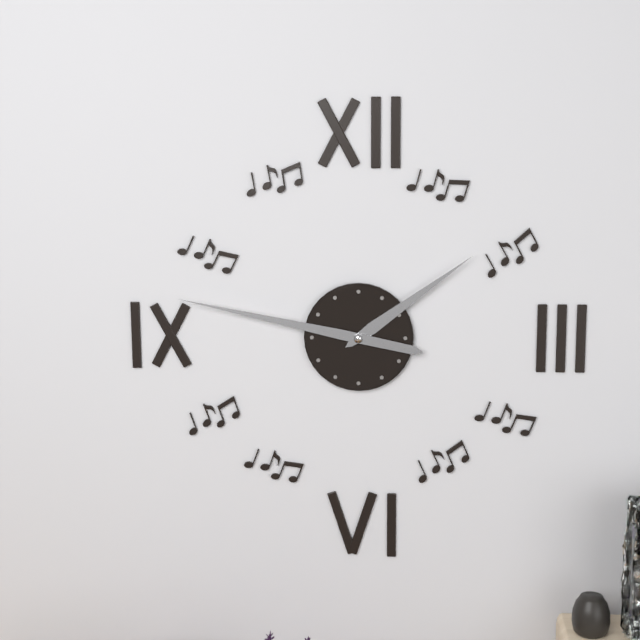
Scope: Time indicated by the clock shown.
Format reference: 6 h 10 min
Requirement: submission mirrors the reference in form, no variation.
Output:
1 h 47 min
